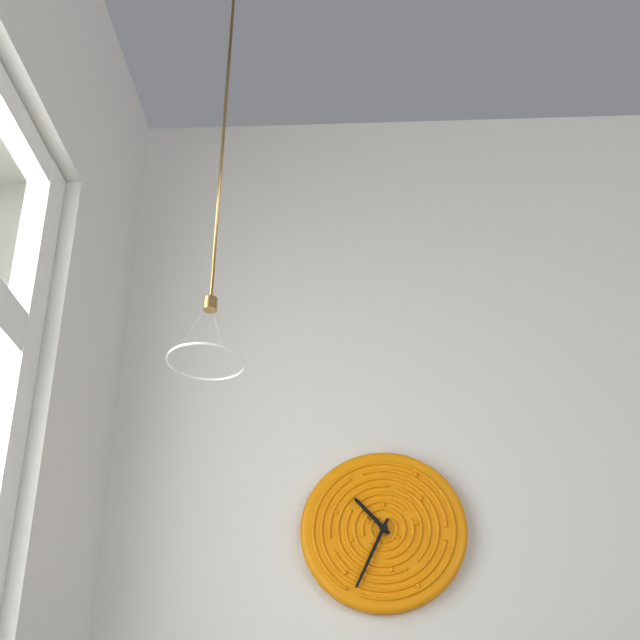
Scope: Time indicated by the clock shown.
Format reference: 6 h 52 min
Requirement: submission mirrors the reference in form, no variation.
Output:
10 h 34 min
